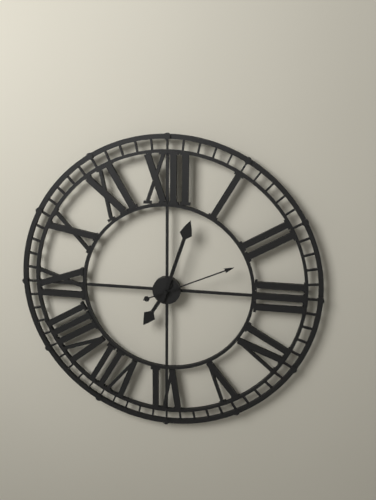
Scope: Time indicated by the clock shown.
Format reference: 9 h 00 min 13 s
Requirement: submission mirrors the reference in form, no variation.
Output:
7 h 03 min 11 s
